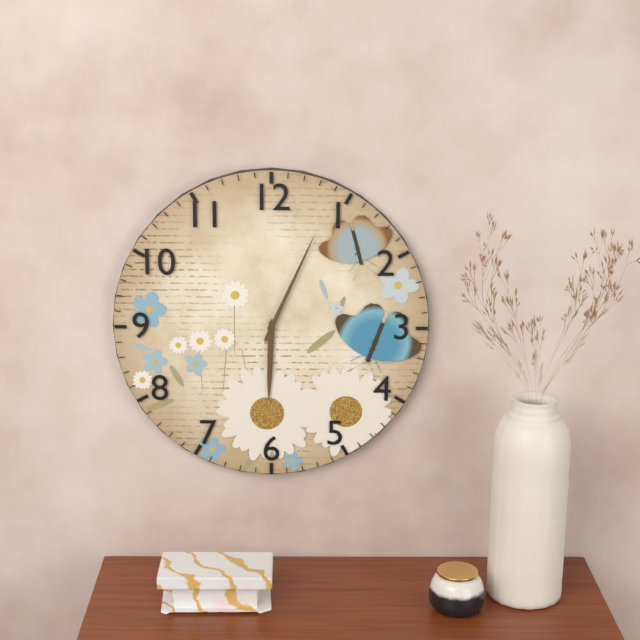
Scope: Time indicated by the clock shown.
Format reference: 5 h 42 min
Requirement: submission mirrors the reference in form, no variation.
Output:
6 h 04 min
